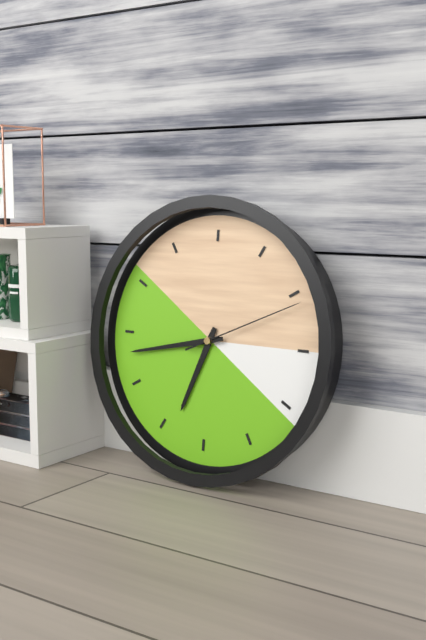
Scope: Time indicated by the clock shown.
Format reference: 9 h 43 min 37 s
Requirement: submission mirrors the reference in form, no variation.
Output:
6 h 43 min 11 s
